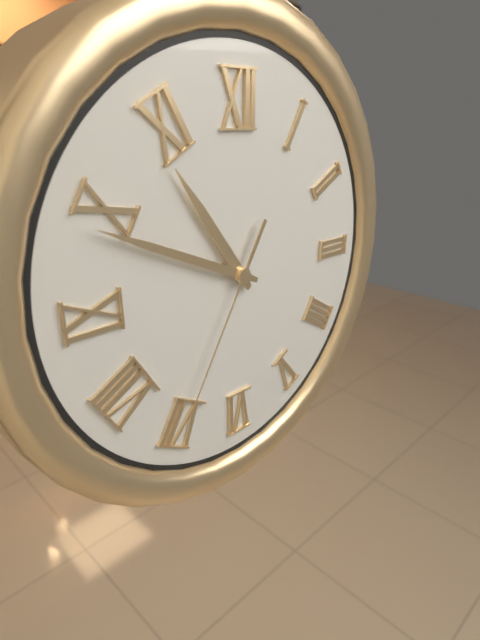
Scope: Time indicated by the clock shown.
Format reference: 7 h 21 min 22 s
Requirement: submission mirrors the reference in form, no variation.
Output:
10 h 49 min 35 s
